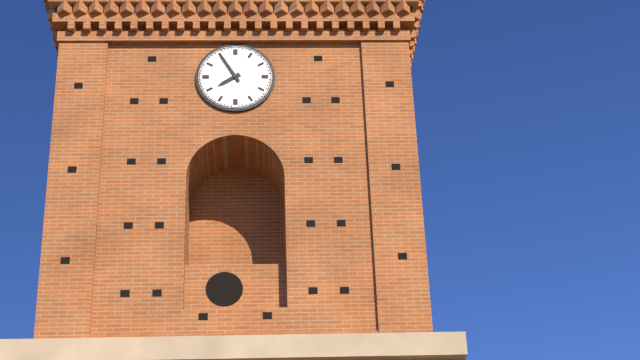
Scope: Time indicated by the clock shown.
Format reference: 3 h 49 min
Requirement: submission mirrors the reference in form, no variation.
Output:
7 h 55 min
